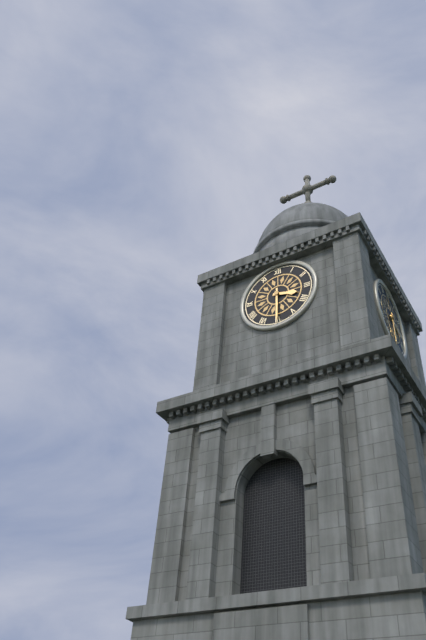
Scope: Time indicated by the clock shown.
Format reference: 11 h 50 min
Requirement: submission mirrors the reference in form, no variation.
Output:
3 h 30 min
